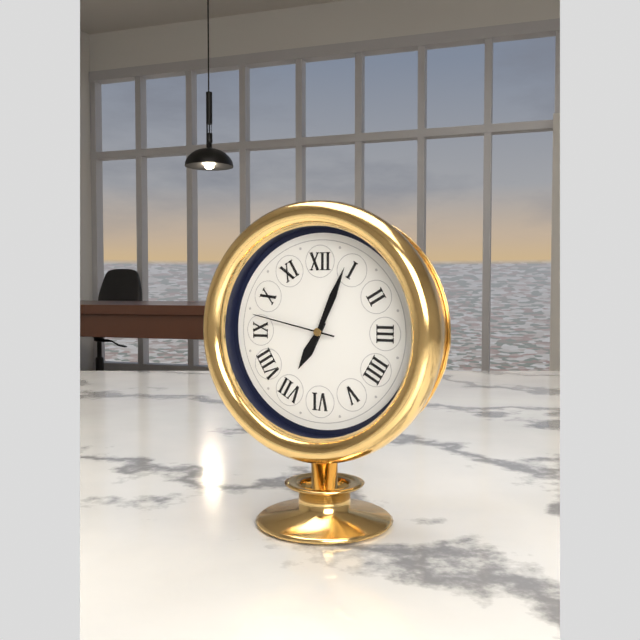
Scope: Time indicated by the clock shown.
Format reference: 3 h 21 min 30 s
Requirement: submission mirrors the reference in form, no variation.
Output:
7 h 04 min 47 s
